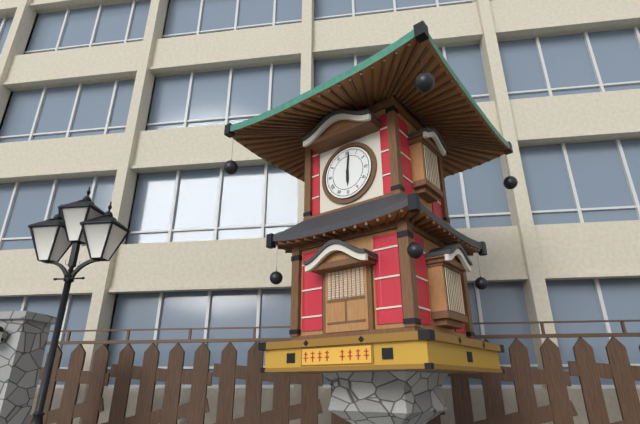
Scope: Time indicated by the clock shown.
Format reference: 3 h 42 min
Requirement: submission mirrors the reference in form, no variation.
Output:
6 h 01 min
